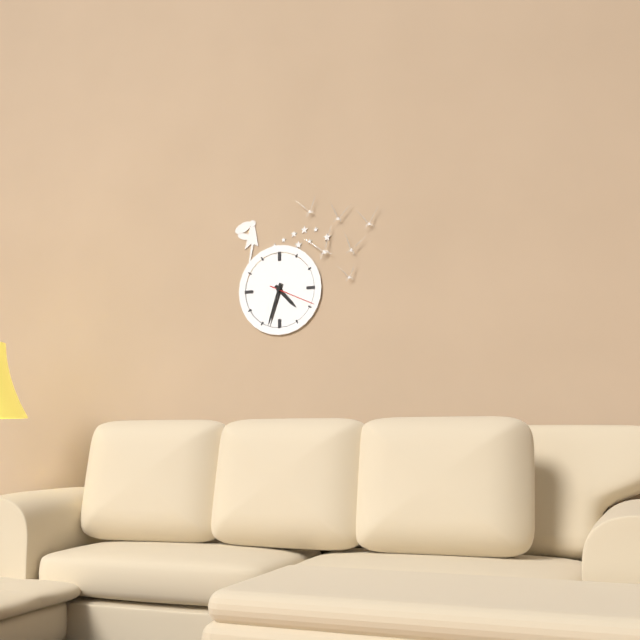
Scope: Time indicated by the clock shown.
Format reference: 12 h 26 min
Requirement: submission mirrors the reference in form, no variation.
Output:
4 h 33 min
